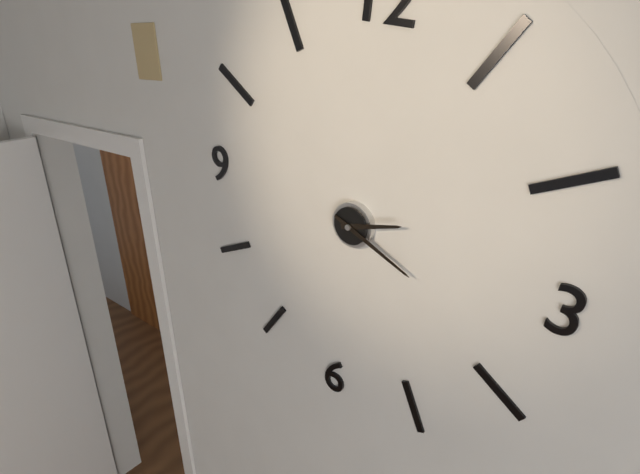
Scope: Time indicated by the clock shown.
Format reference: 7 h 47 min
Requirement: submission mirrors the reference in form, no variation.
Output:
2 h 18 min
